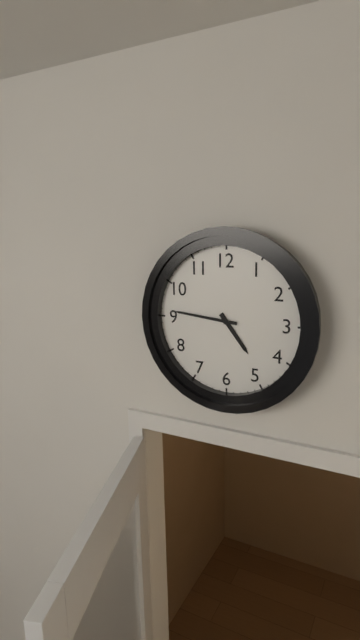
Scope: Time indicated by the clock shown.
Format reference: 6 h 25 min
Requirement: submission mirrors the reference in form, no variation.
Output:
4 h 46 min
